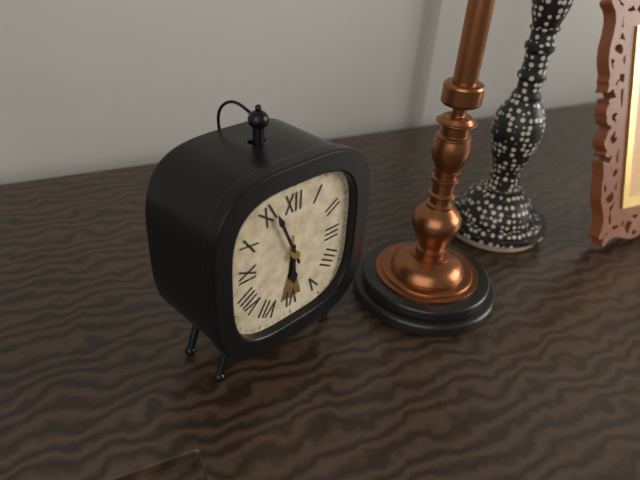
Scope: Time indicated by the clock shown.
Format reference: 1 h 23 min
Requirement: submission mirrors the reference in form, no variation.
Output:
5 h 56 min
